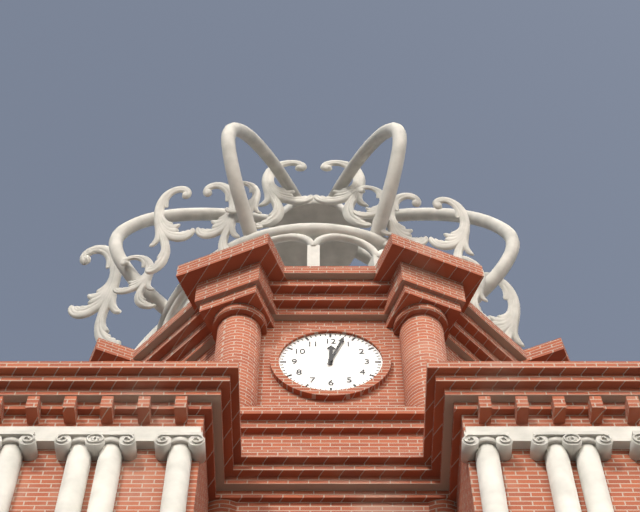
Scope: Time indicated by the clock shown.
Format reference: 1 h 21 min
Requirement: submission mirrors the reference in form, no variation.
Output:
12 h 03 min
